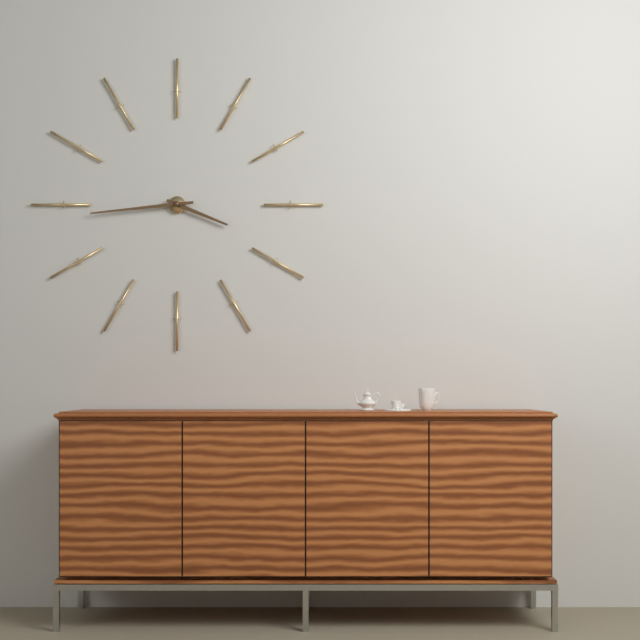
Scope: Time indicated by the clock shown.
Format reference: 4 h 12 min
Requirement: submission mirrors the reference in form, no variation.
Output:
3 h 44 min
